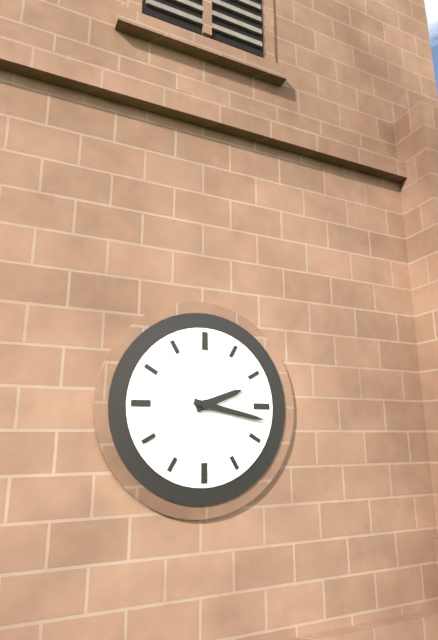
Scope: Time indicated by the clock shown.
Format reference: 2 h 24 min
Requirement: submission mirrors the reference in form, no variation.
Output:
2 h 17 min
